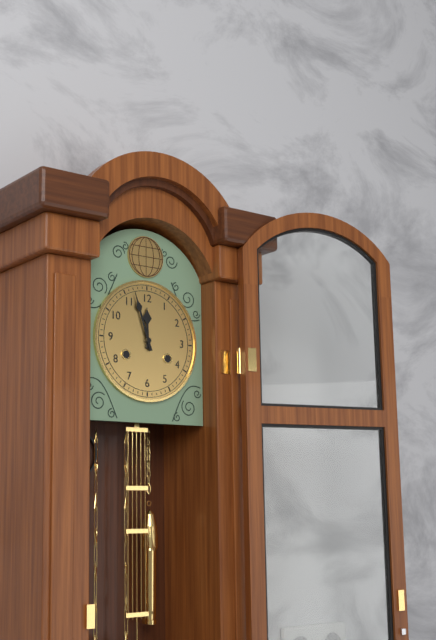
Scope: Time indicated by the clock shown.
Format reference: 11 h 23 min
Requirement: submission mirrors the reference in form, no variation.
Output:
11 h 57 min
